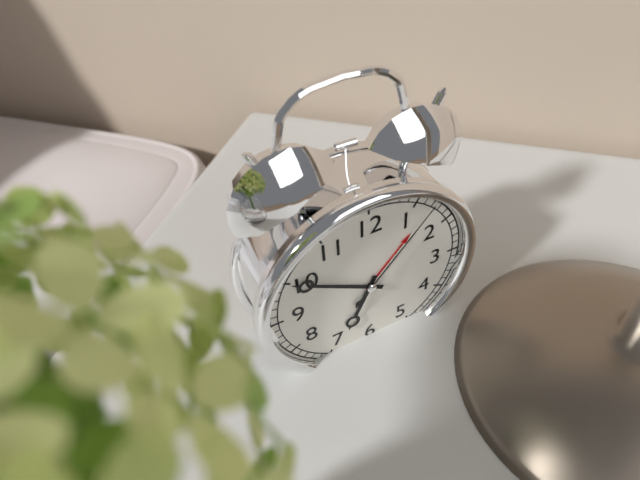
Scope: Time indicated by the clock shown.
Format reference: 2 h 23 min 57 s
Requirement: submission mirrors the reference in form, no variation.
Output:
6 h 50 min 07 s
